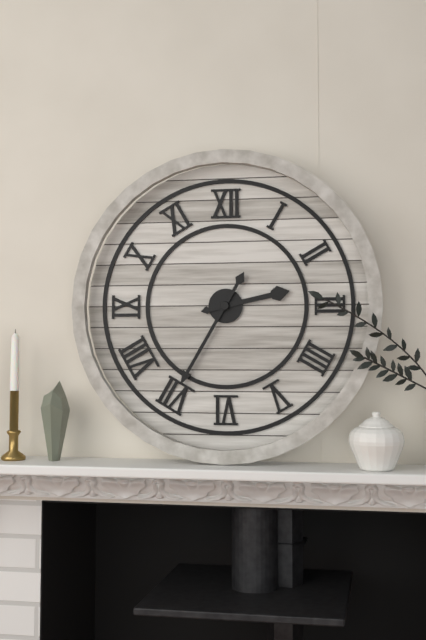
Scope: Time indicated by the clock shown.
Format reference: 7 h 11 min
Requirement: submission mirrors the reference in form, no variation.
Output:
2 h 35 min
